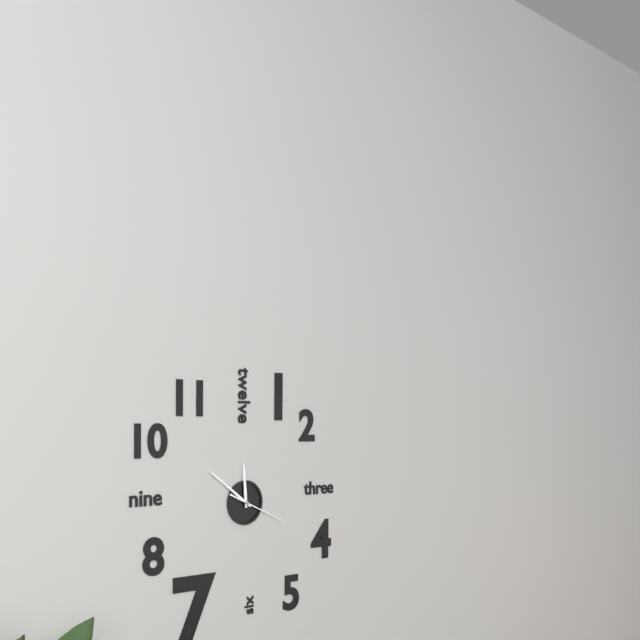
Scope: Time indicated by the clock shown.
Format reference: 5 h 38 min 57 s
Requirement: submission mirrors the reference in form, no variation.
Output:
11 h 51 min 19 s
